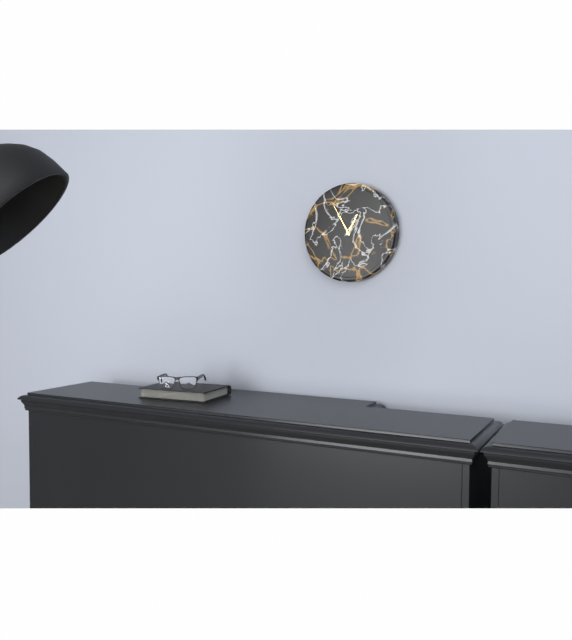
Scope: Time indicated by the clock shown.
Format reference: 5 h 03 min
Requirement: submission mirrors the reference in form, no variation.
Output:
12 h 55 min
